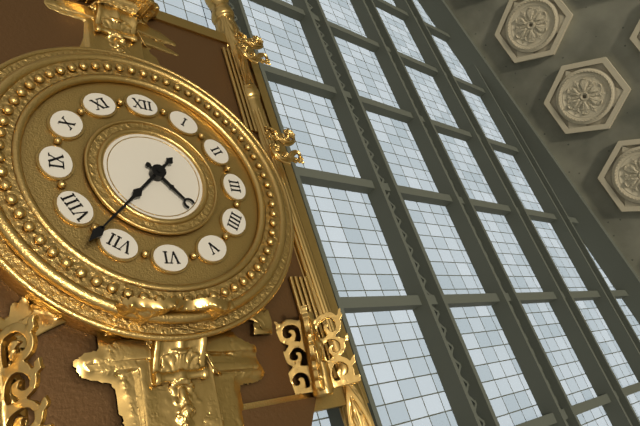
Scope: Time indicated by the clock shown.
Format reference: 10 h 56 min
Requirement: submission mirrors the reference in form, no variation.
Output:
4 h 37 min
